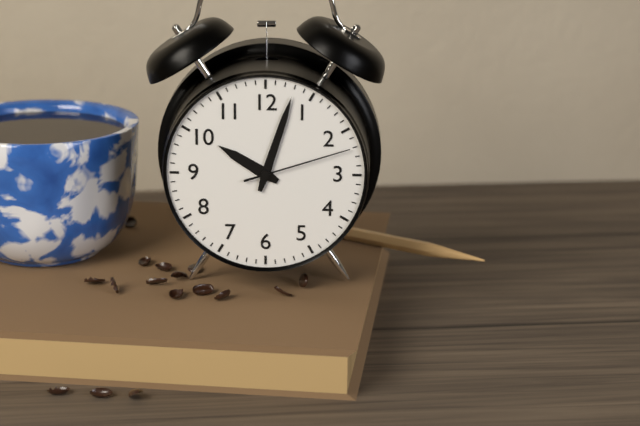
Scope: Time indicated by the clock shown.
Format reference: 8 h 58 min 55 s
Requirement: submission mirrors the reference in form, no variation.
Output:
10 h 03 min 12 s
